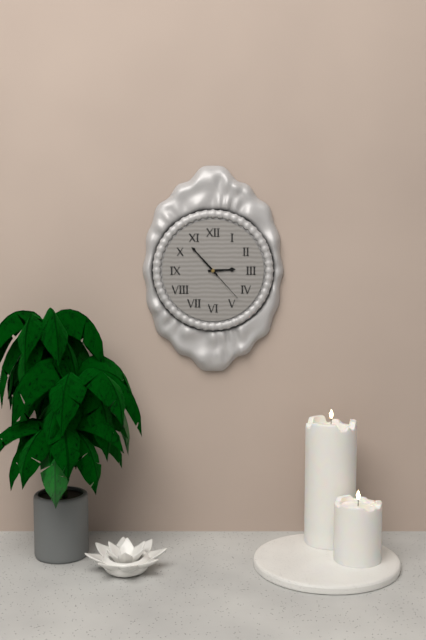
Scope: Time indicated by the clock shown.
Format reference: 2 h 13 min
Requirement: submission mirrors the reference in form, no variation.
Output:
2 h 53 min
